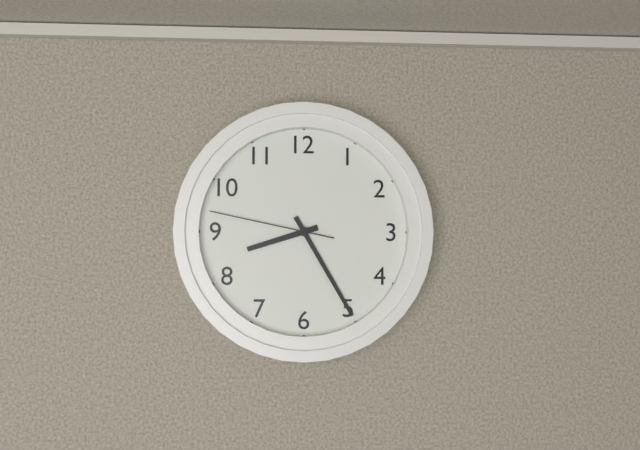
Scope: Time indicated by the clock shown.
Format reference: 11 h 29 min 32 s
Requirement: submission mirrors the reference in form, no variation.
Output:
8 h 25 min 47 s
